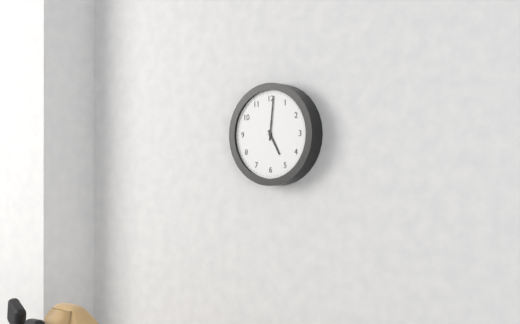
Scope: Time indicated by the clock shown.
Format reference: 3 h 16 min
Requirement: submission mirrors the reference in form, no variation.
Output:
5 h 01 min
